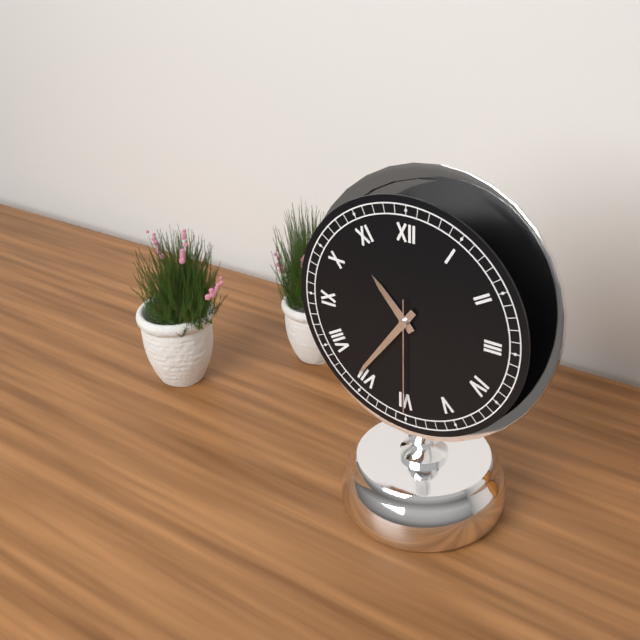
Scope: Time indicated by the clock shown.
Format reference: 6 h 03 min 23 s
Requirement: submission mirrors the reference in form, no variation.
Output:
10 h 36 min 30 s
